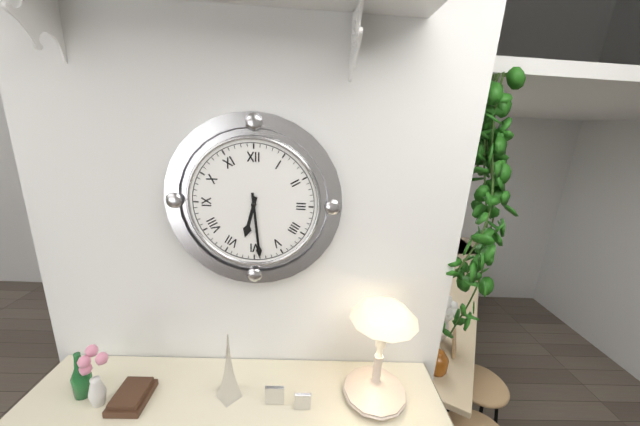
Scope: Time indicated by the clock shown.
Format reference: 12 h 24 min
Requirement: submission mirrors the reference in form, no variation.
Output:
6 h 29 min
